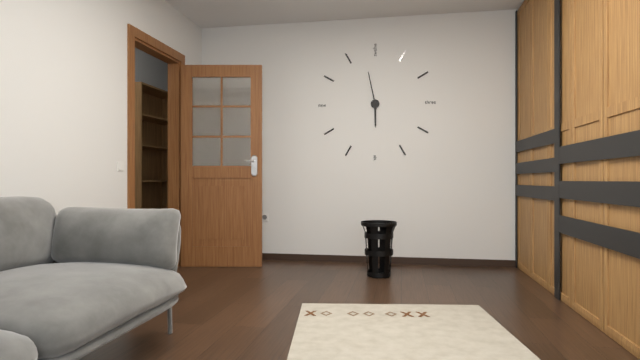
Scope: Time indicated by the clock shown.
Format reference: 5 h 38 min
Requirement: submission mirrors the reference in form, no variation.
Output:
5 h 58 min
